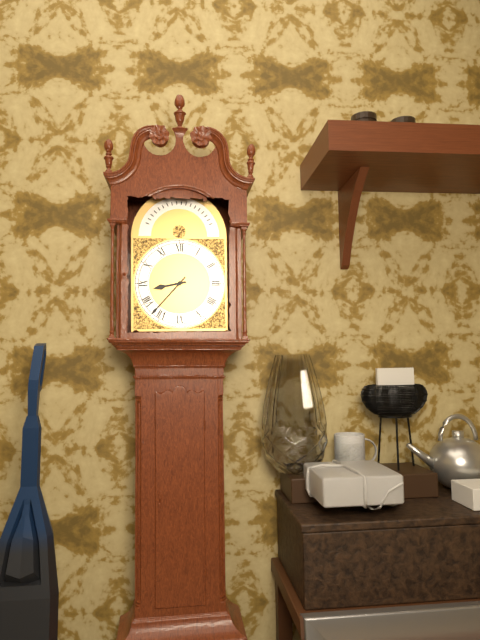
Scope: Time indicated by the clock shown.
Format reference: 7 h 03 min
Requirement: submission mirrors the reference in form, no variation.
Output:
8 h 37 min
